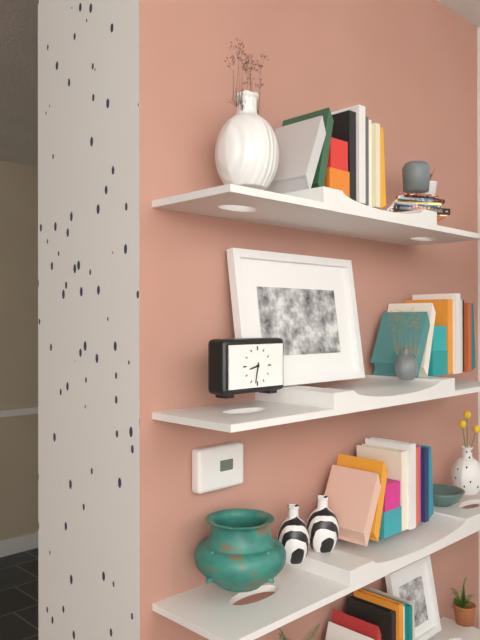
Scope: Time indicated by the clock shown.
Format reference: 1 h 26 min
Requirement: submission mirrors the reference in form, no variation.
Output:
8 h 32 min
